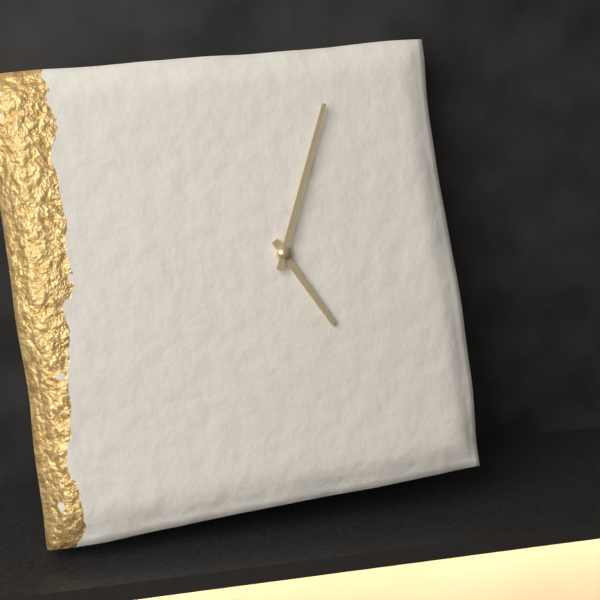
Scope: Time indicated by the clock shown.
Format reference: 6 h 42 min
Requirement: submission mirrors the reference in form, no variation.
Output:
5 h 04 min
